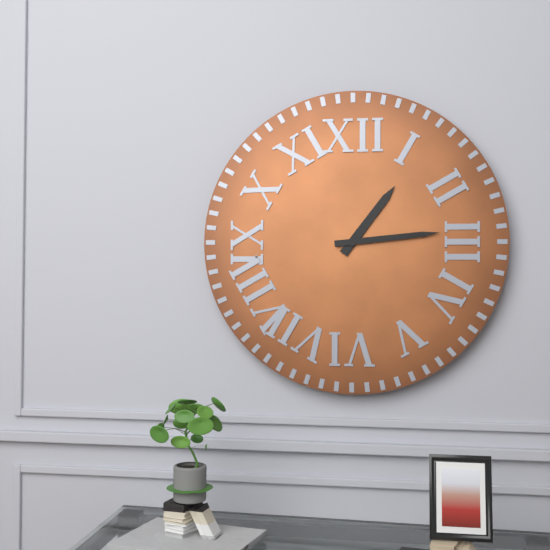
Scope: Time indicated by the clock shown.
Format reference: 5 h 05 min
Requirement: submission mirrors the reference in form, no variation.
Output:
1 h 14 min
